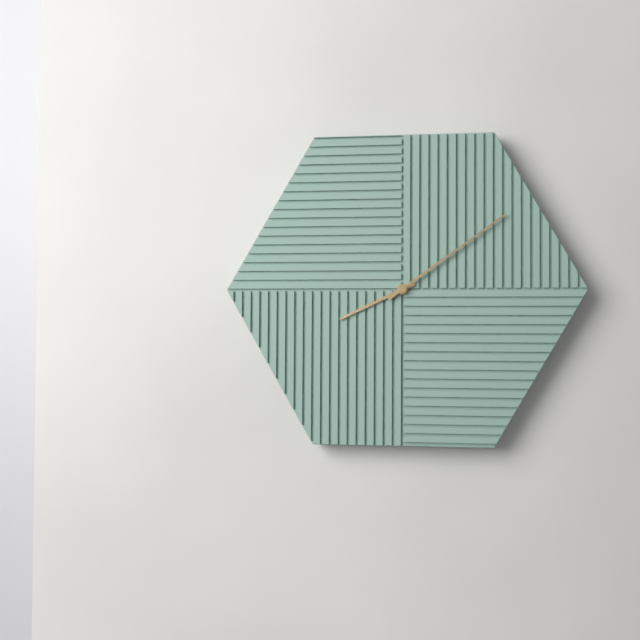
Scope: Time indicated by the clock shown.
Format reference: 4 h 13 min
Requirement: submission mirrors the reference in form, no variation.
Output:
8 h 09 min
